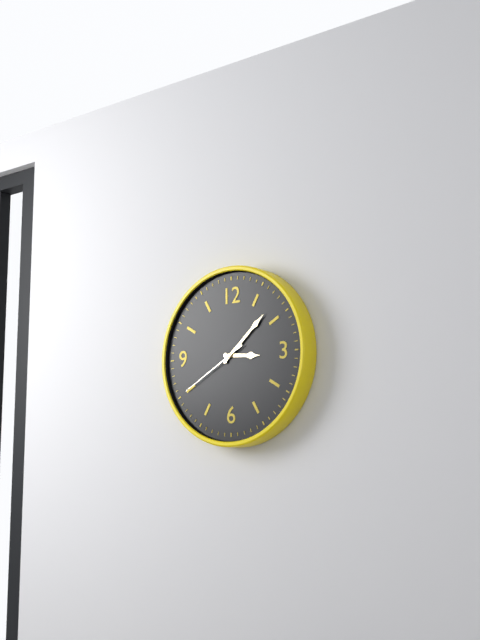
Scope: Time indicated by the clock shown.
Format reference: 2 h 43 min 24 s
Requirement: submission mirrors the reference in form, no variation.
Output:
3 h 08 min 40 s
